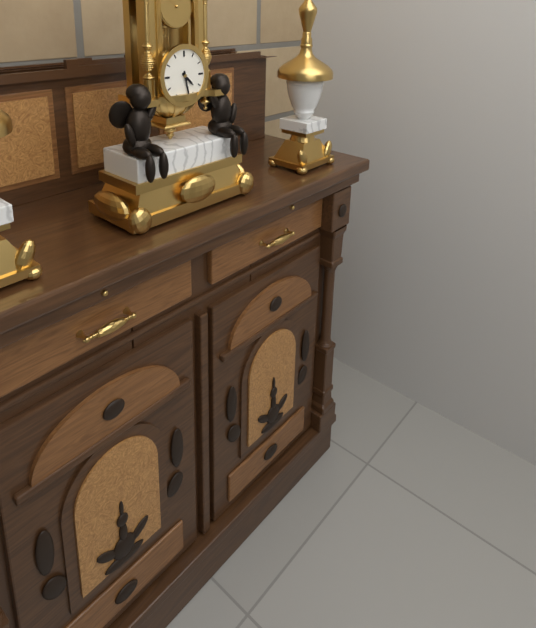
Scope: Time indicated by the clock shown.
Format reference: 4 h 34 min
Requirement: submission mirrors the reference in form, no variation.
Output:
4 h 28 min
